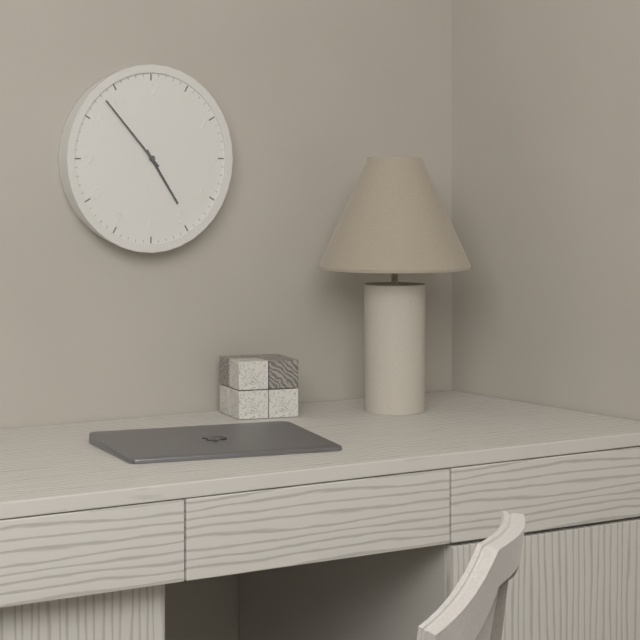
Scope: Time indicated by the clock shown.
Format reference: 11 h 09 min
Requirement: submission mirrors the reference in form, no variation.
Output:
4 h 53 min
